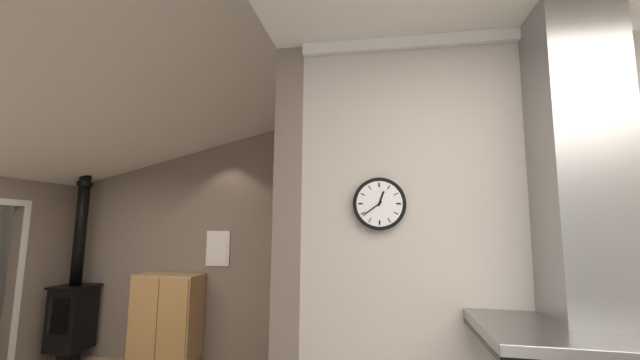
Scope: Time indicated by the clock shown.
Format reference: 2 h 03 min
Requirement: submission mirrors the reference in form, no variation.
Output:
12 h 39 min
